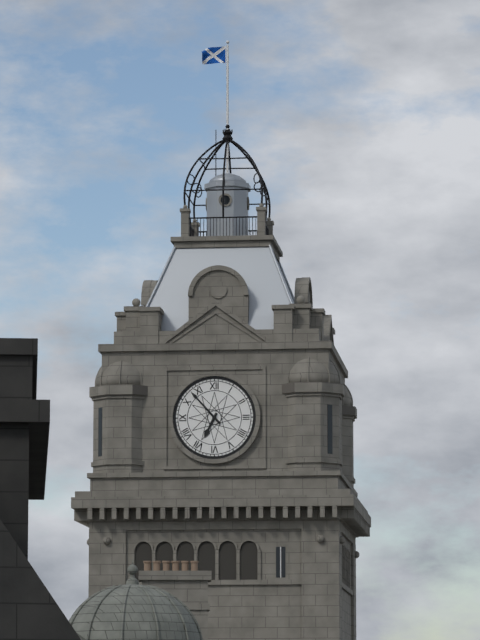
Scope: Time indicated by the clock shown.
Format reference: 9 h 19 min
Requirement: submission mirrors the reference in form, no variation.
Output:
6 h 53 min
